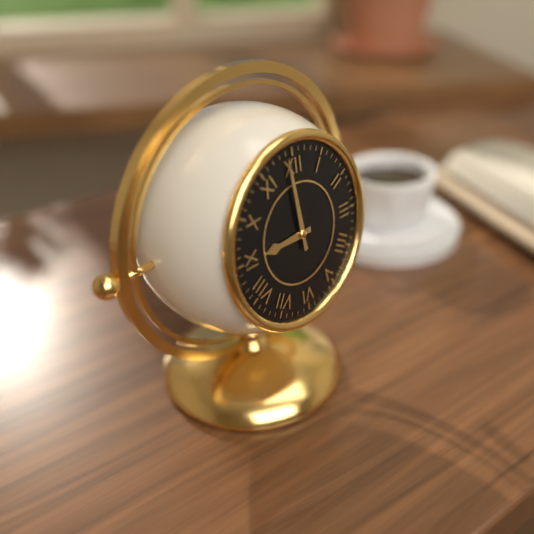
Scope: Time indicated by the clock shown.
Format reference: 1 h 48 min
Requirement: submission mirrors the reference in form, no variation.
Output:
8 h 59 min
